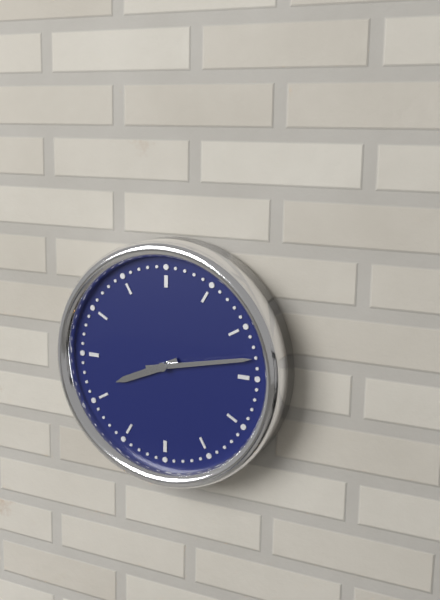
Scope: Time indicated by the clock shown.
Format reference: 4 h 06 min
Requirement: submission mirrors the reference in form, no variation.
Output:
8 h 13 min
